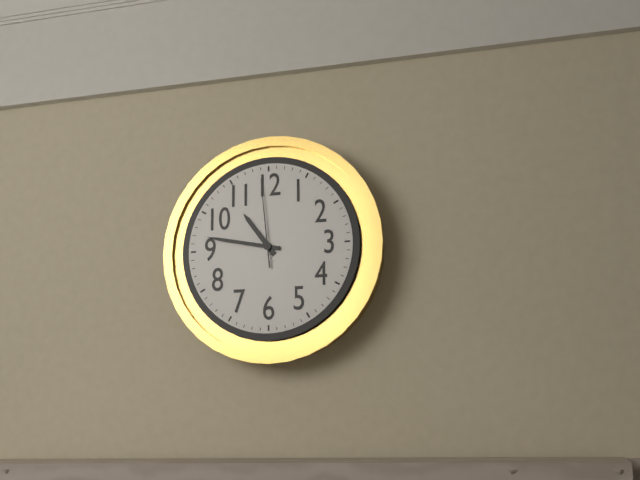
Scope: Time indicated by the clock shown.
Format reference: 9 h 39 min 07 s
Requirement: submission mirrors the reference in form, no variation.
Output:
10 h 47 min 59 s
